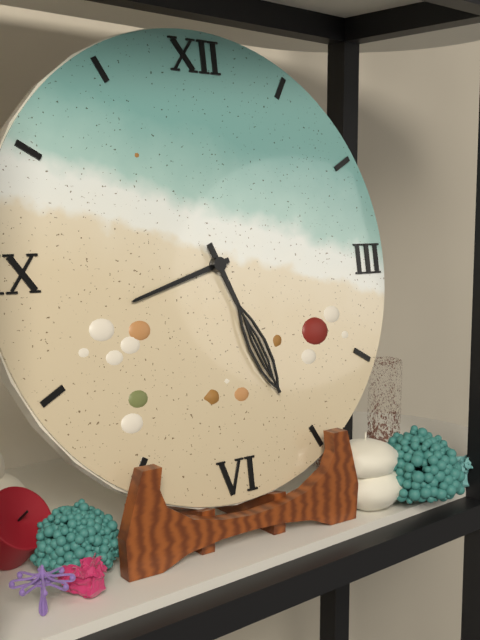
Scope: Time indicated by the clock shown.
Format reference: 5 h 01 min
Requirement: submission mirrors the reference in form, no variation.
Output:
8 h 26 min
